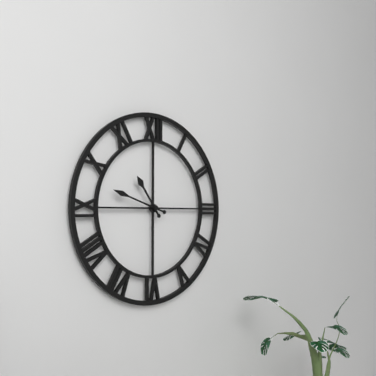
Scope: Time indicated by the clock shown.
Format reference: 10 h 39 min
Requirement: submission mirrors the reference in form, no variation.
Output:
10 h 48 min
